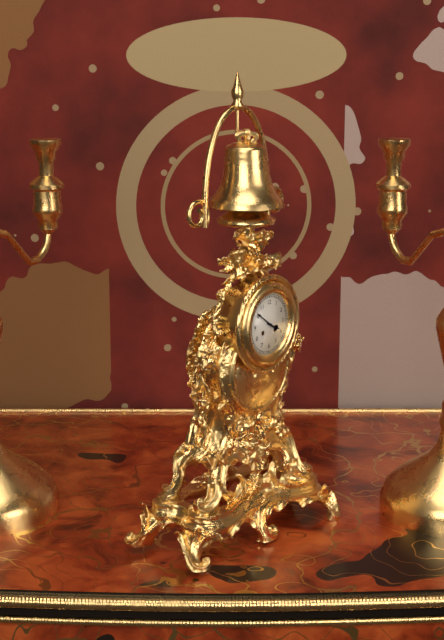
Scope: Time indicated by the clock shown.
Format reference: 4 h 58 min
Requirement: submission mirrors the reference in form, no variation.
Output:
3 h 51 min
